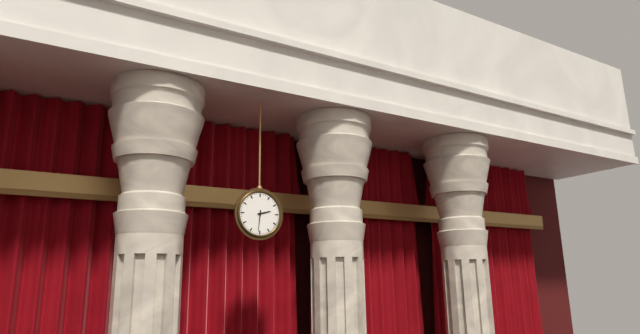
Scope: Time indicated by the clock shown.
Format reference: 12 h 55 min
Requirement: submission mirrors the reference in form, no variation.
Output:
2 h 31 min
